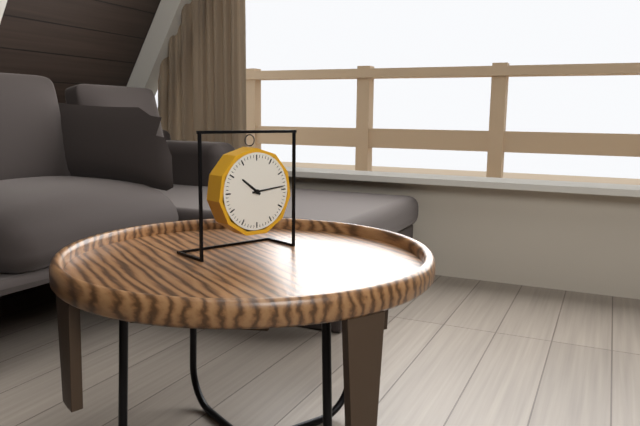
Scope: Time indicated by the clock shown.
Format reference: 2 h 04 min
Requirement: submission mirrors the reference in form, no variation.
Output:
10 h 14 min
